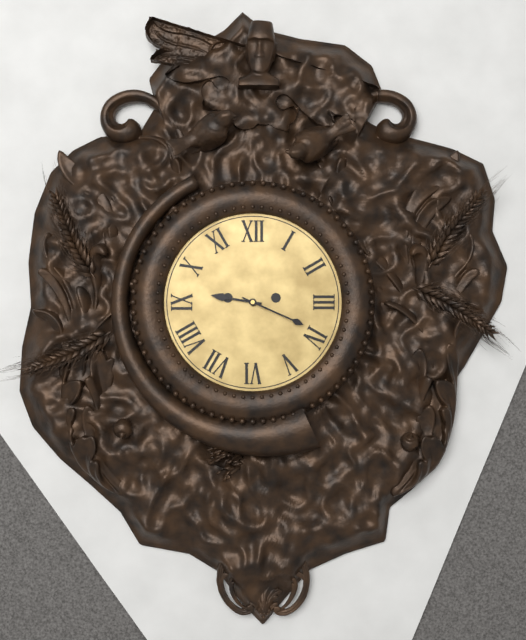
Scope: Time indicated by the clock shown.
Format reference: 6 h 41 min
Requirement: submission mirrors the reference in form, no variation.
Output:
9 h 19 min
